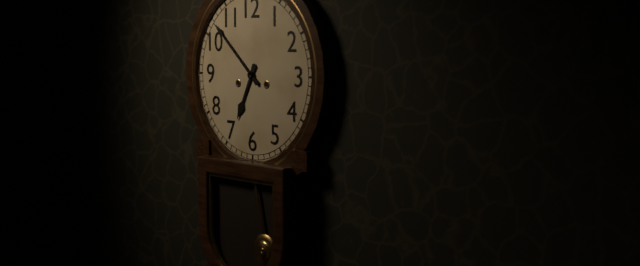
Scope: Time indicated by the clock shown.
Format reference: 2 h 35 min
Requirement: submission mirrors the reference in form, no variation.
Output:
6 h 52 min
